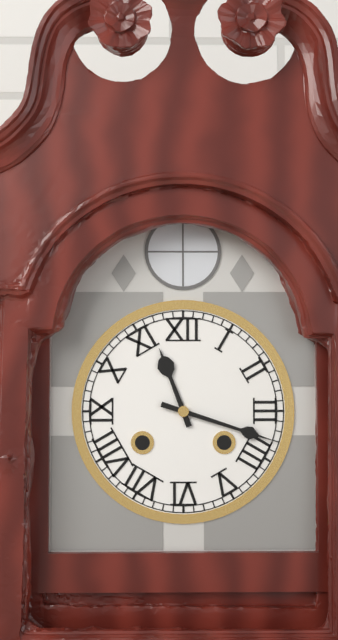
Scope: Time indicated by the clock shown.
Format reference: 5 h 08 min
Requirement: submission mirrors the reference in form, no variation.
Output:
11 h 18 min
